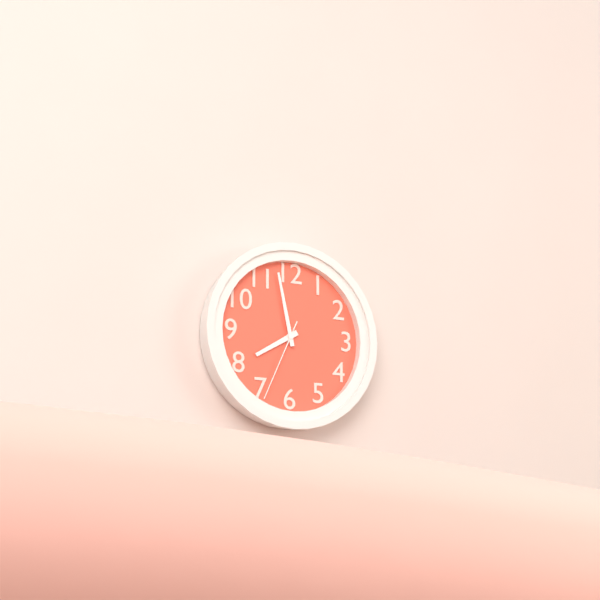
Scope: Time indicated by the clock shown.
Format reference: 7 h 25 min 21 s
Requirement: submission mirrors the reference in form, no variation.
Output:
7 h 58 min 34 s
